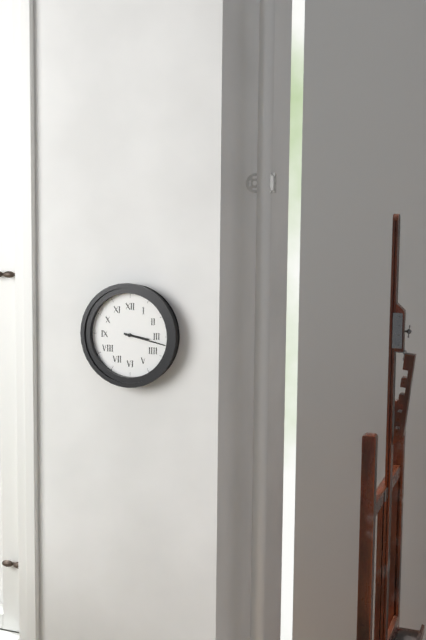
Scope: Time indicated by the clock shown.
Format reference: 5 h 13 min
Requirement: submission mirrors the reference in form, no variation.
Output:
3 h 17 min
